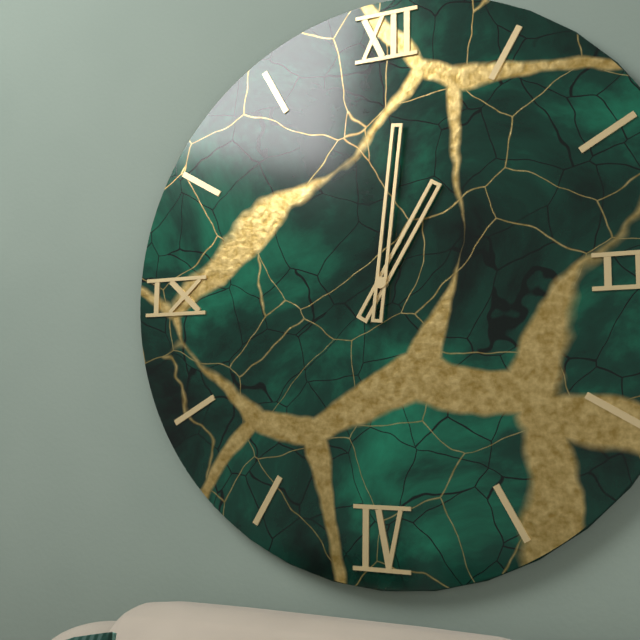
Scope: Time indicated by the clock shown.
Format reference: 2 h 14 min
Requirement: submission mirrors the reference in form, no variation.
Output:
1 h 01 min
